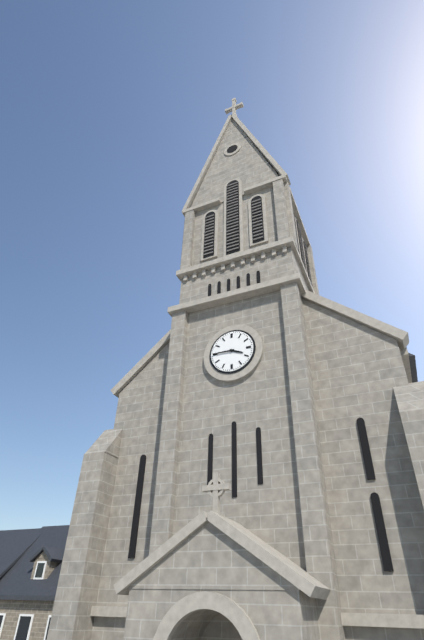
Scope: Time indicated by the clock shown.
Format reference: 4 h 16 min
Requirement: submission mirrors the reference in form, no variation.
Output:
3 h 45 min
